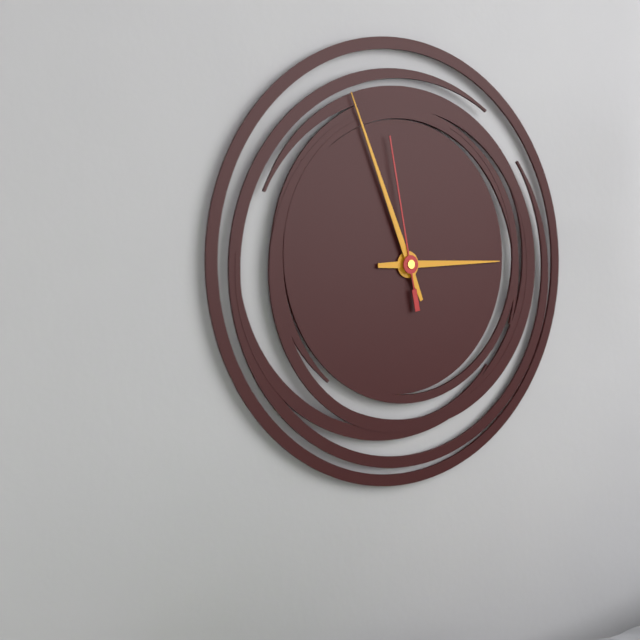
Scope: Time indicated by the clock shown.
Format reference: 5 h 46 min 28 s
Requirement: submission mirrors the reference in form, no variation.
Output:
2 h 56 min 58 s
